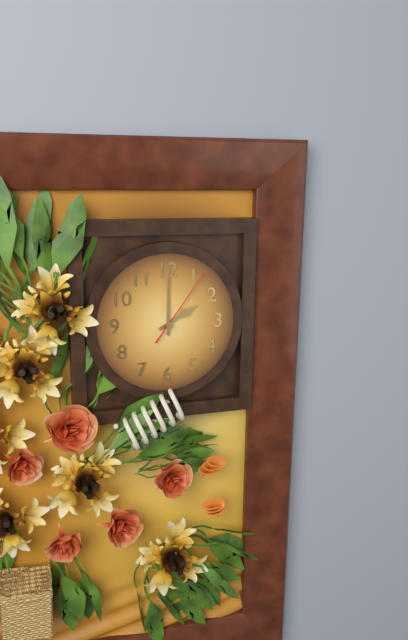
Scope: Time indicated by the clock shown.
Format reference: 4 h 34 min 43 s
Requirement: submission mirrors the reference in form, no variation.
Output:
2 h 00 min 06 s
